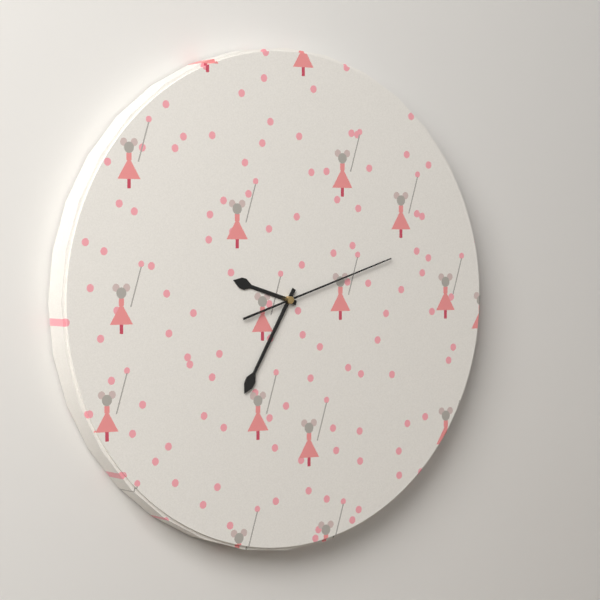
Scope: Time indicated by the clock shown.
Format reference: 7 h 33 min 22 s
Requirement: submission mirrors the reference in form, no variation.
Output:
9 h 35 min 12 s
